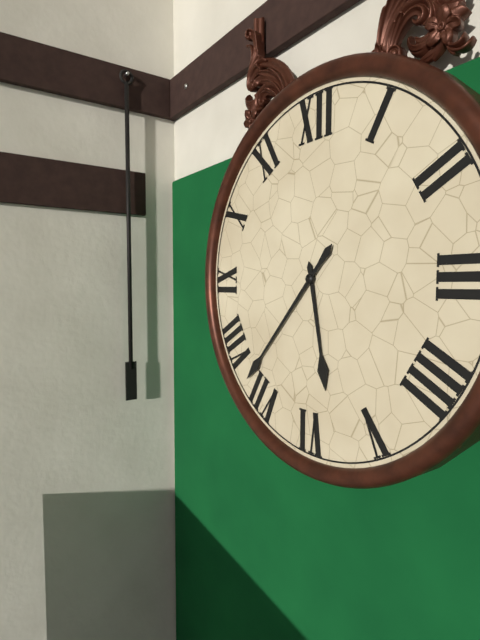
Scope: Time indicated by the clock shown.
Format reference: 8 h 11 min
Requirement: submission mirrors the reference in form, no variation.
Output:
5 h 37 min
